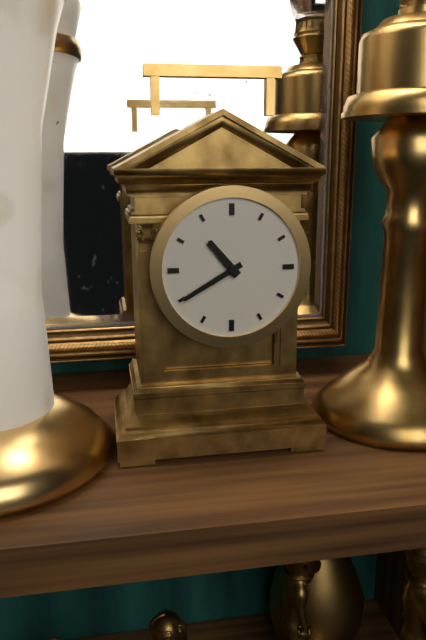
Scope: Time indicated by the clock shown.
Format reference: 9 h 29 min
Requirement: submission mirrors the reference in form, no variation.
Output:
10 h 40 min
